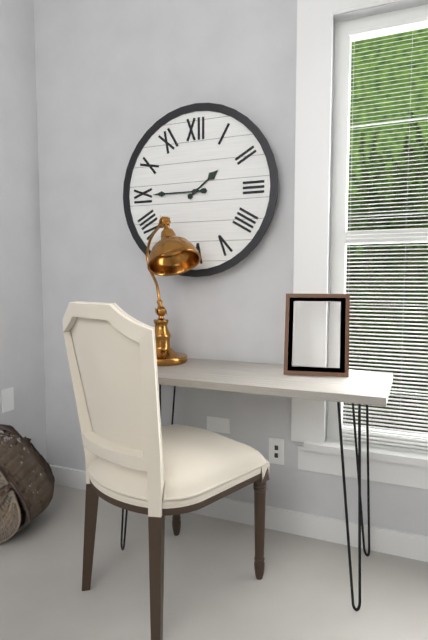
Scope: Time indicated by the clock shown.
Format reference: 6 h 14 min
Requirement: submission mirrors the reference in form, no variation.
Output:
1 h 45 min
